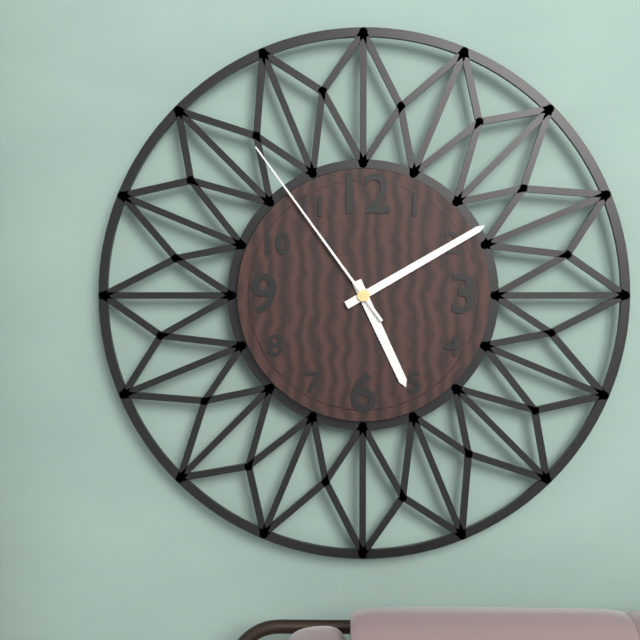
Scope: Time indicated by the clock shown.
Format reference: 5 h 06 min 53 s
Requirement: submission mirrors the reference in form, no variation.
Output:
5 h 10 min 54 s
